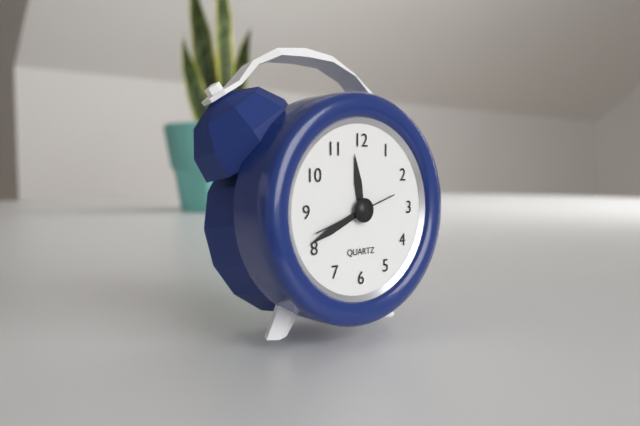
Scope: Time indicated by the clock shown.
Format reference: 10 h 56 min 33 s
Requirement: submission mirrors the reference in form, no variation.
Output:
11 h 41 min 42 s
